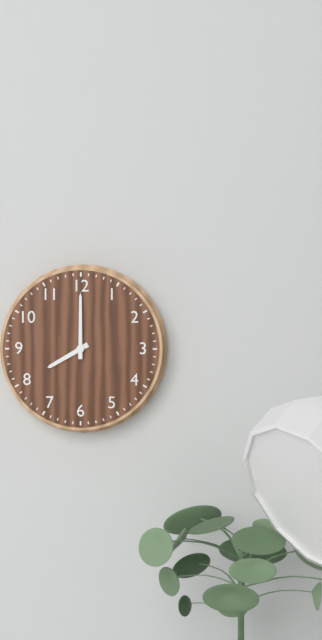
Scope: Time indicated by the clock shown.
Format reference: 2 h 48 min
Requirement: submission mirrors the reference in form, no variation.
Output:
8 h 00 min
